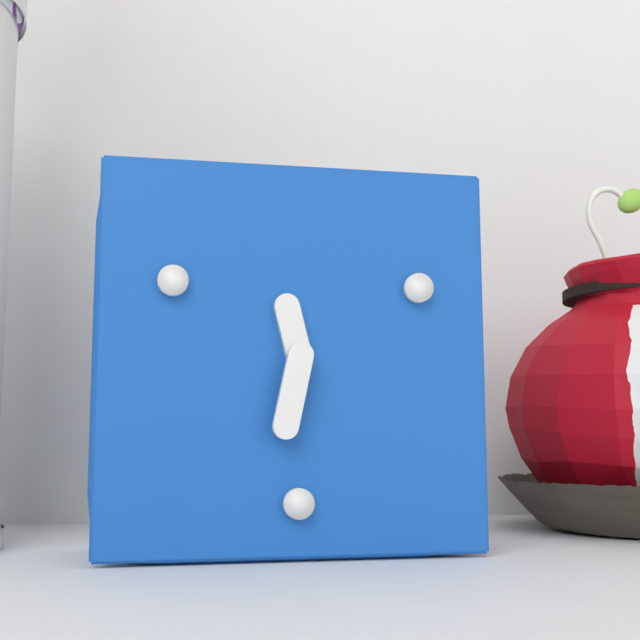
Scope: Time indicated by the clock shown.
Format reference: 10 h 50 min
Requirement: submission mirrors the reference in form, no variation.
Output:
11 h 32 min
